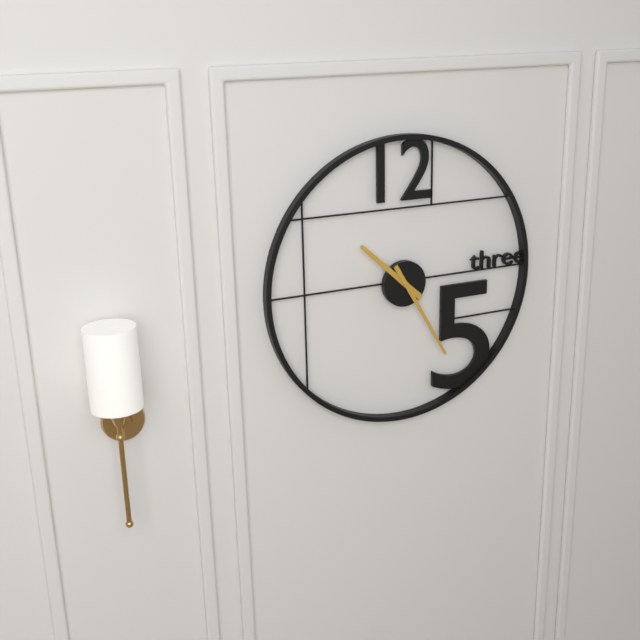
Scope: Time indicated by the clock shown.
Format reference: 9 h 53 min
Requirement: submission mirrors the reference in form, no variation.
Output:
10 h 25 min
